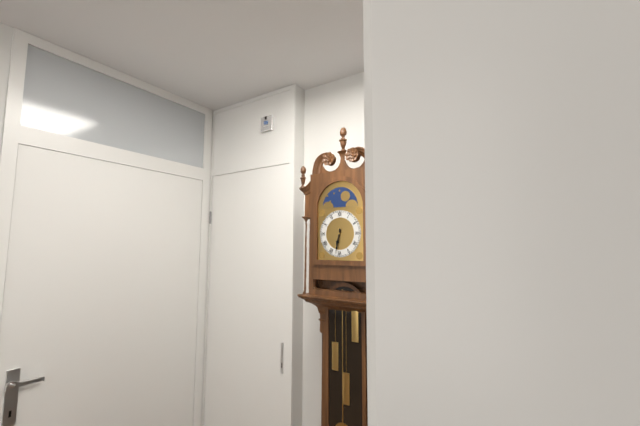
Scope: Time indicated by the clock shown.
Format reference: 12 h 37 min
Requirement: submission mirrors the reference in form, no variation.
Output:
6 h 32 min
